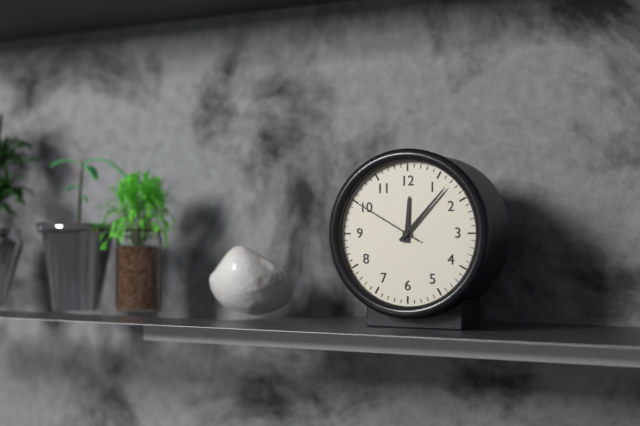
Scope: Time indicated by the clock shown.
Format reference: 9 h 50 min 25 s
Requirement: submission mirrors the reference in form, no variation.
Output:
12 h 07 min 50 s
